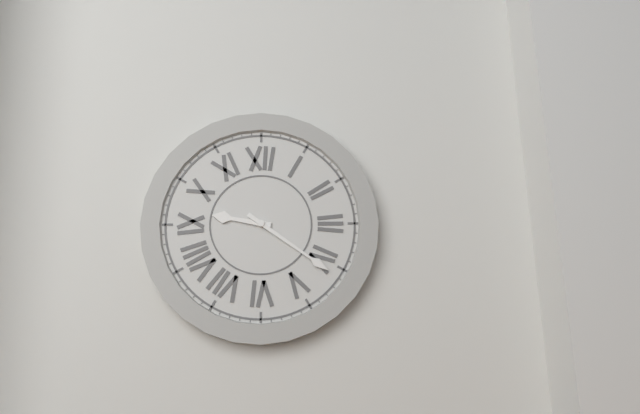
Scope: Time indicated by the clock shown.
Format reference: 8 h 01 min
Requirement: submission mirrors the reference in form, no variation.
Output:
9 h 21 min
